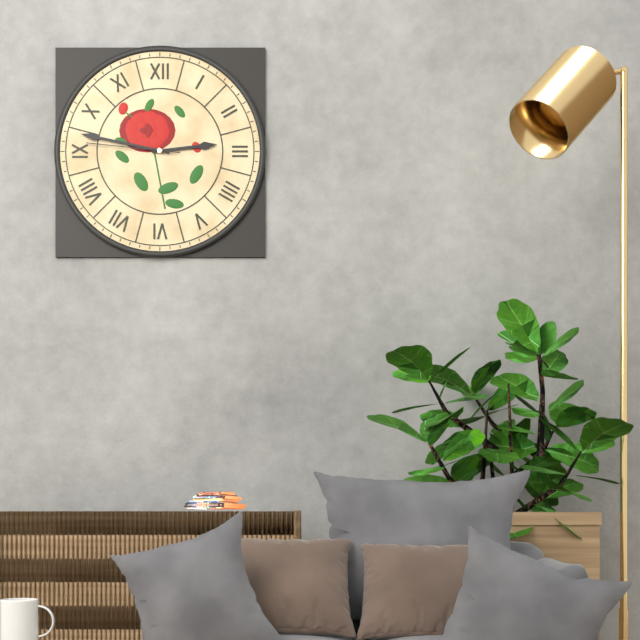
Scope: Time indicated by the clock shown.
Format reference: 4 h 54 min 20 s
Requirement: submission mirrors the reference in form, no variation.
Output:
2 h 47 min 46 s
